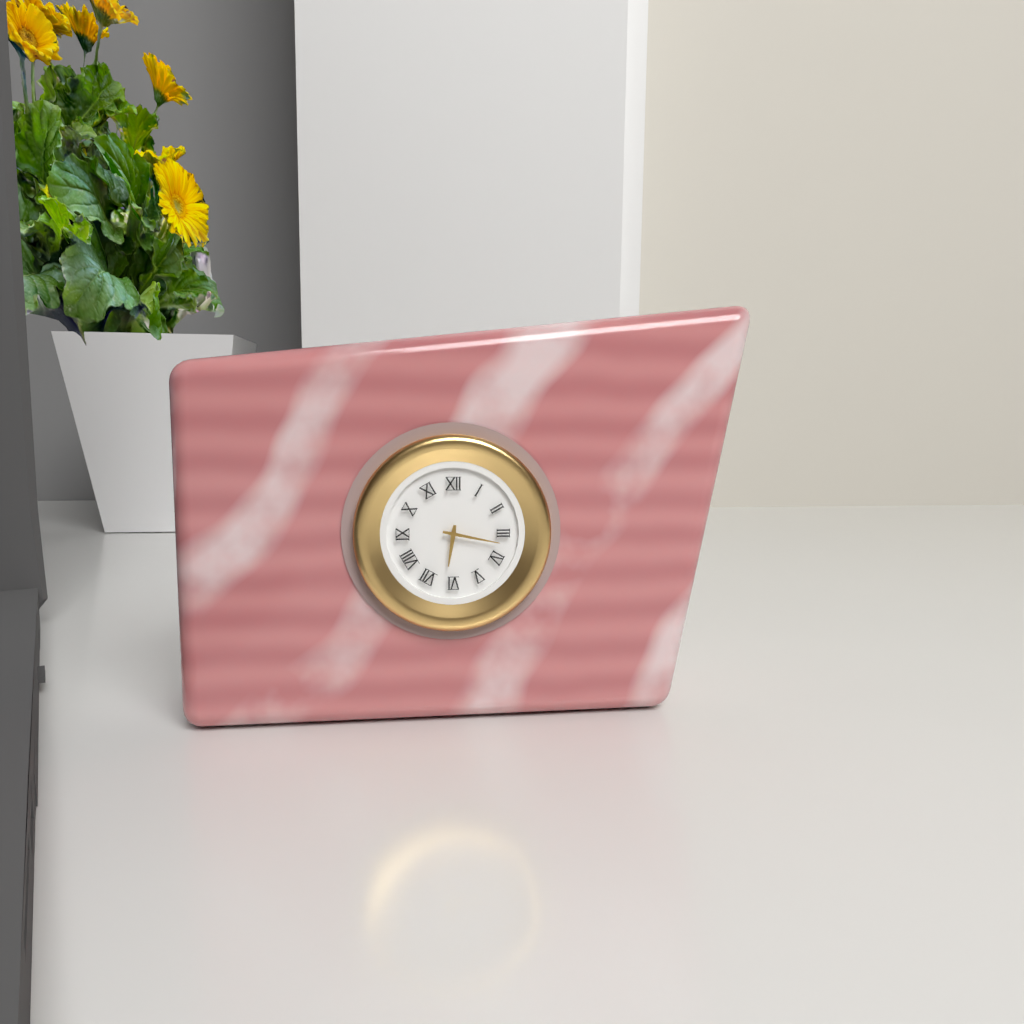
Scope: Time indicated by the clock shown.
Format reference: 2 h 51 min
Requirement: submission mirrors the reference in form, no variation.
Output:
6 h 17 min
